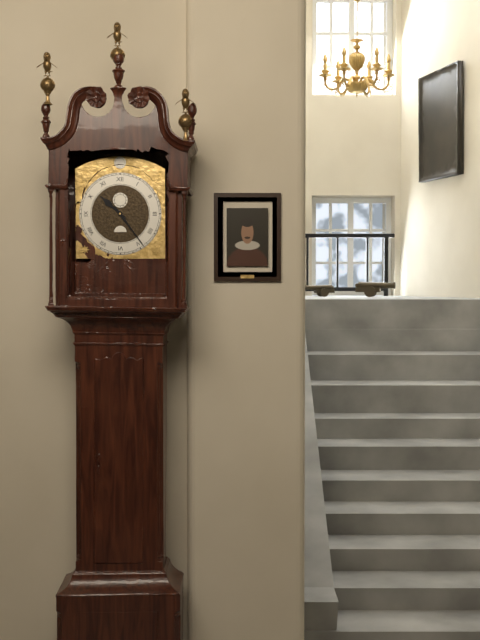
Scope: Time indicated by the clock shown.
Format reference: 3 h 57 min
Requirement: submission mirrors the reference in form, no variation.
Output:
10 h 24 min
